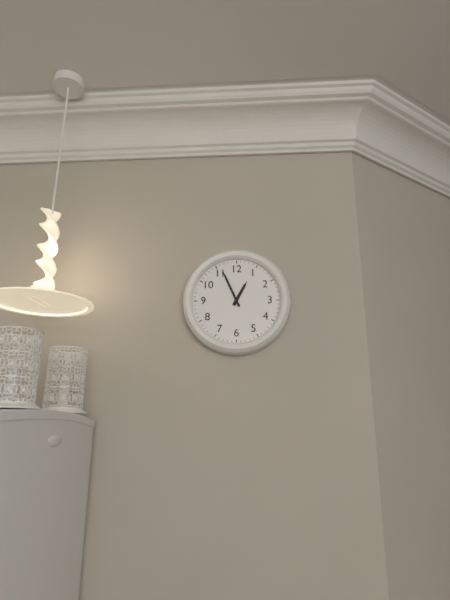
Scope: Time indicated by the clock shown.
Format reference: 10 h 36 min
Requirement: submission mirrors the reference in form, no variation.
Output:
12 h 56 min
